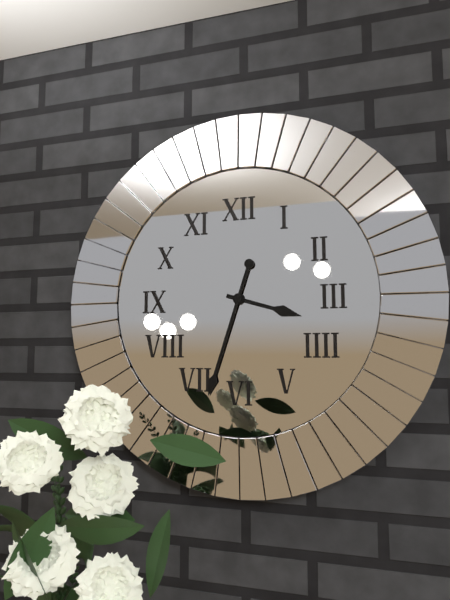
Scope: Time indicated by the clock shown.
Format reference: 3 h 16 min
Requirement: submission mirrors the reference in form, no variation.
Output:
3 h 33 min
